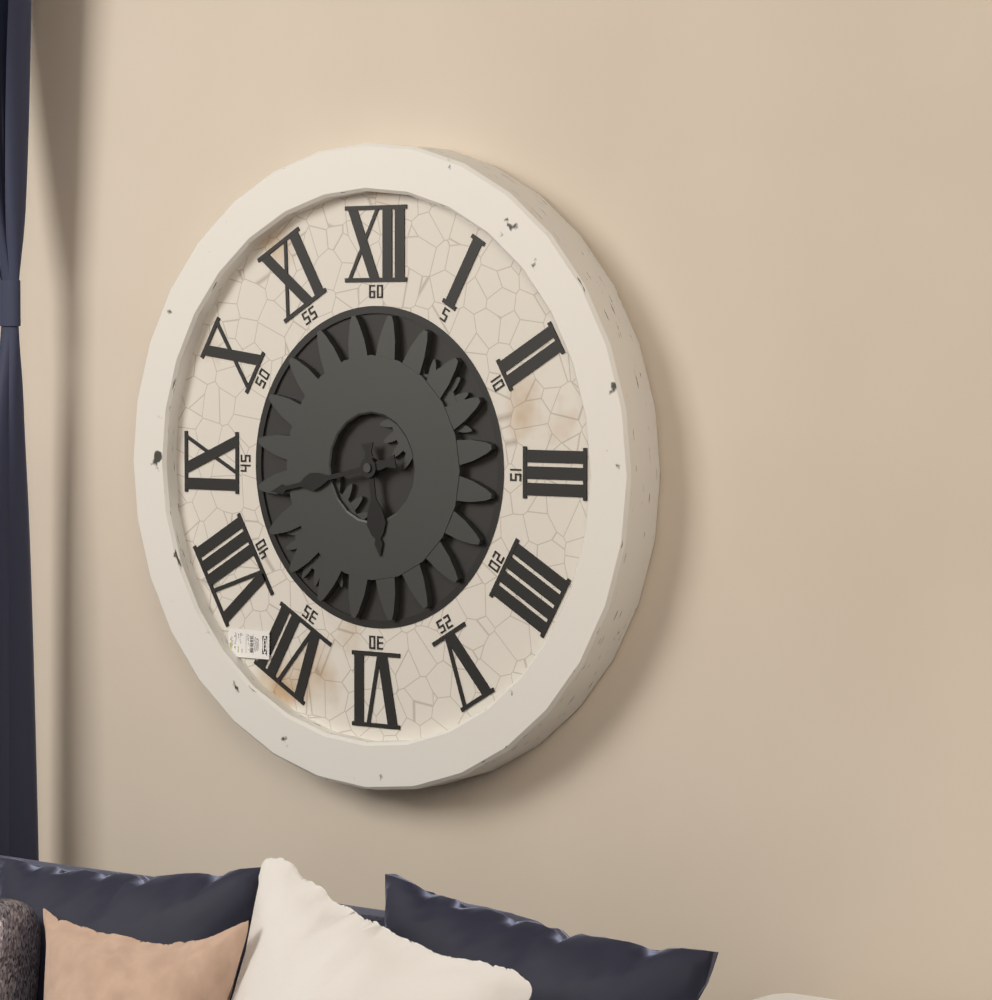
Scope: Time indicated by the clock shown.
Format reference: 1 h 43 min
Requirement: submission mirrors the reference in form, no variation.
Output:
5 h 43 min
